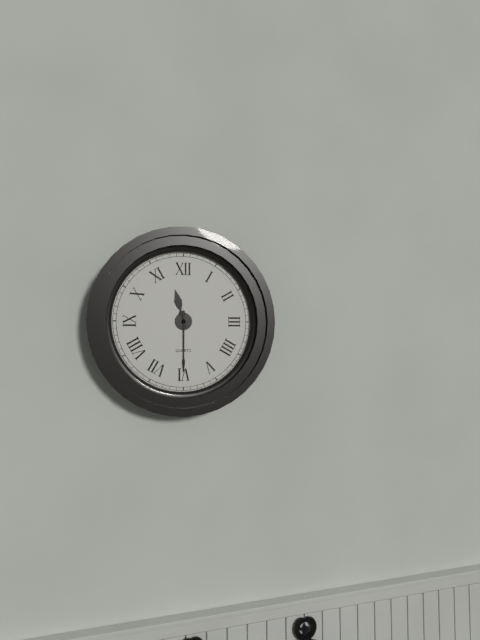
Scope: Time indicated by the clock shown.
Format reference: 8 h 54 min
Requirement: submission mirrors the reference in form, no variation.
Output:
11 h 30 min
